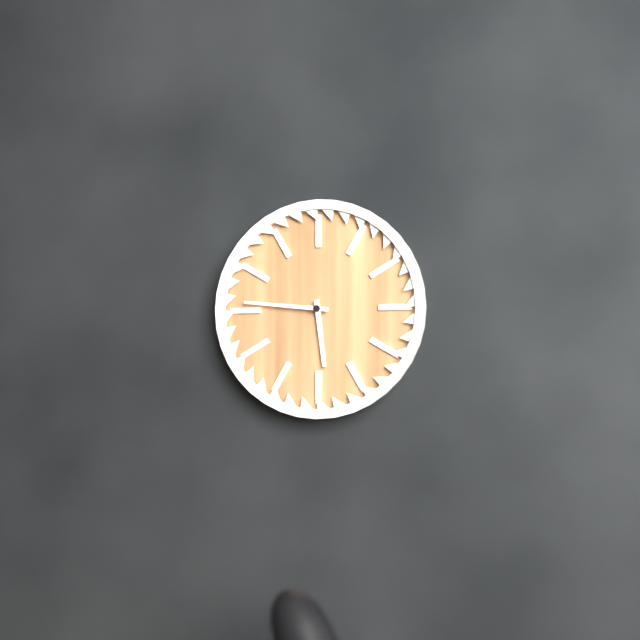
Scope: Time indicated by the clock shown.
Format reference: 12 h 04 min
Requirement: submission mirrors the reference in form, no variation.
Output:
5 h 46 min
